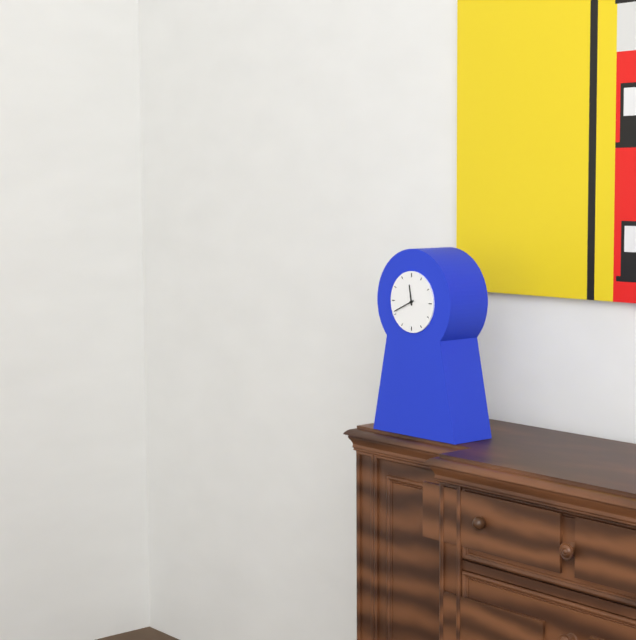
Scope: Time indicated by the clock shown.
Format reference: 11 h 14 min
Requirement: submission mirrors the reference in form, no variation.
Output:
11 h 41 min
